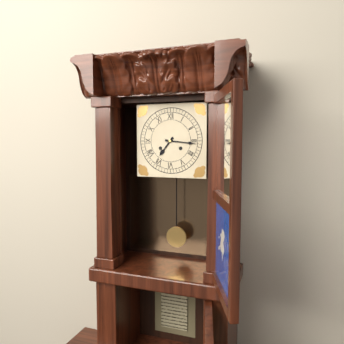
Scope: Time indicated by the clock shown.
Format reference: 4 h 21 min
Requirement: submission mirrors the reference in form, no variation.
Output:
7 h 16 min
